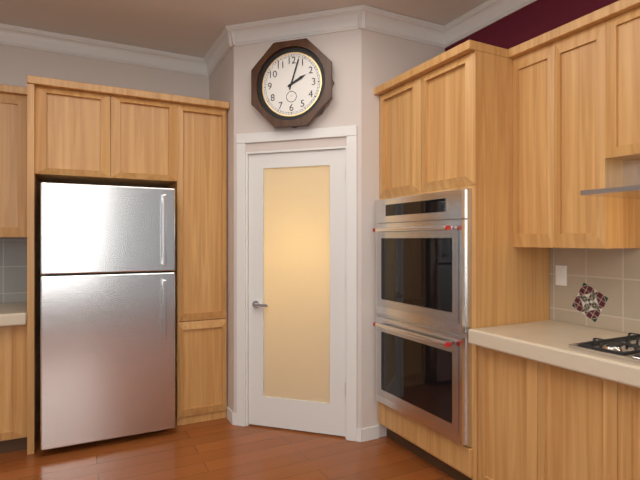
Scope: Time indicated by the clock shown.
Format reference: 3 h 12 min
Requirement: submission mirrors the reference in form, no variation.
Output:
2 h 03 min
